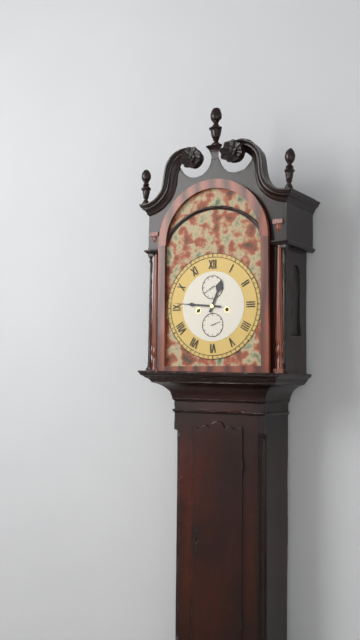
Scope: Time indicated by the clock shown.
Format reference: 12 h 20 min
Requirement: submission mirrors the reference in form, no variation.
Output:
12 h 46 min
